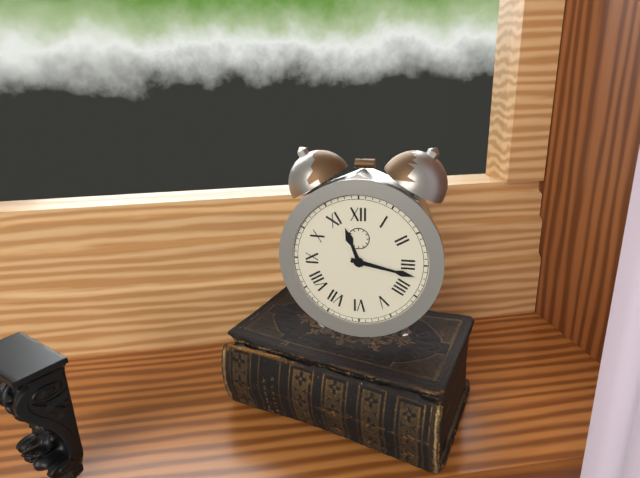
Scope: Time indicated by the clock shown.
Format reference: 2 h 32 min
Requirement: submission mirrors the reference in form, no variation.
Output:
11 h 17 min
